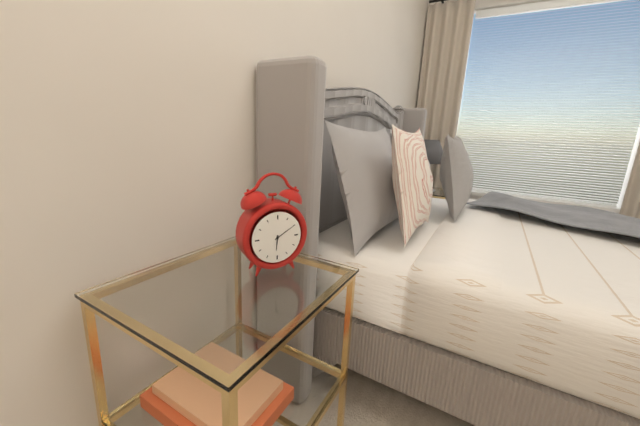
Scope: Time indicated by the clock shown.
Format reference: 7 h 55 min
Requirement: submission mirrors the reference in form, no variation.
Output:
6 h 10 min
